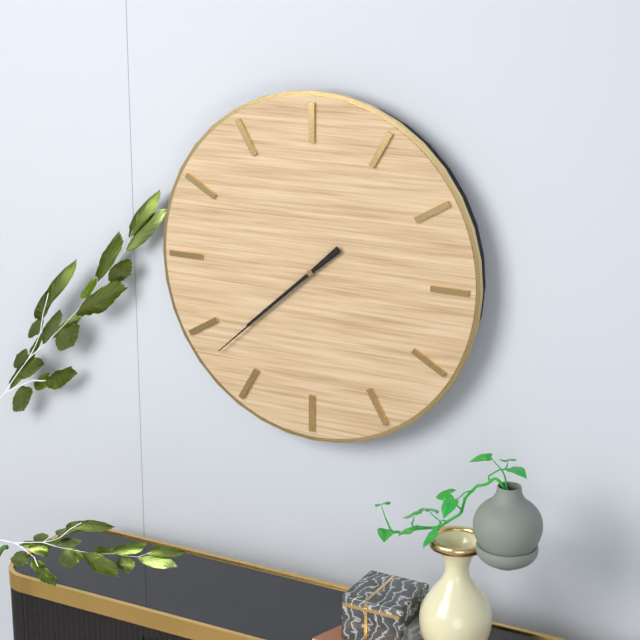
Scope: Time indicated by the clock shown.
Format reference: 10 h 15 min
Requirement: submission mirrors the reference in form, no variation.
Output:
7 h 38 min
